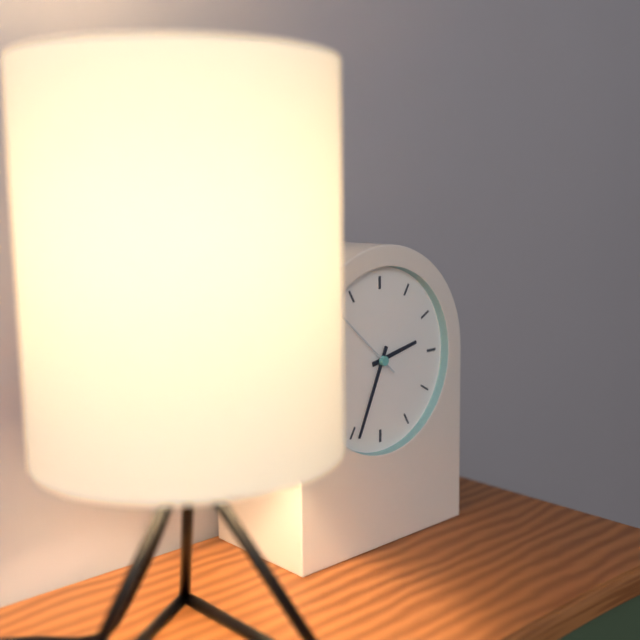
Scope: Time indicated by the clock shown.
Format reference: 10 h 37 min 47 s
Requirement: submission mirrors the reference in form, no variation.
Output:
2 h 34 min 52 s
